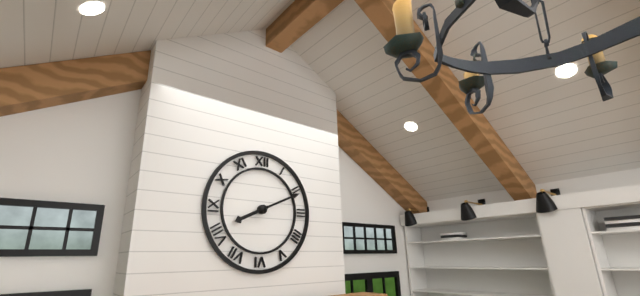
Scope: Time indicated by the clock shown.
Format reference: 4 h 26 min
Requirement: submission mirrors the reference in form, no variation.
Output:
8 h 11 min
